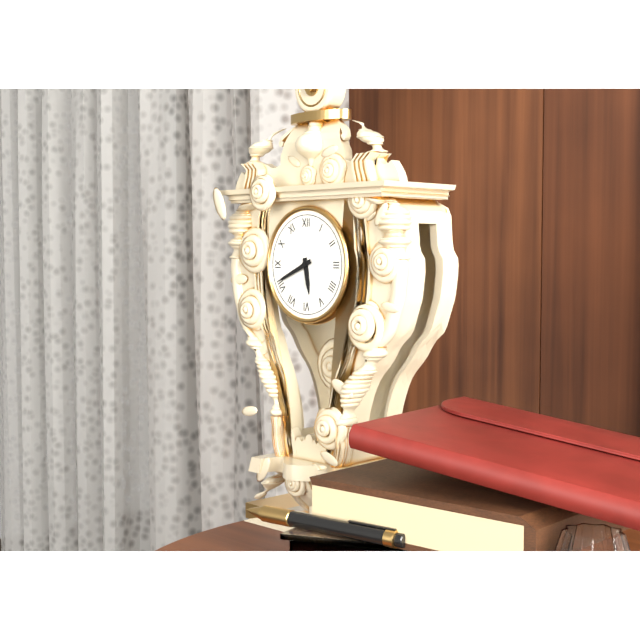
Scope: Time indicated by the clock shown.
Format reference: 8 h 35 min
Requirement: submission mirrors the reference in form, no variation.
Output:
5 h 41 min
